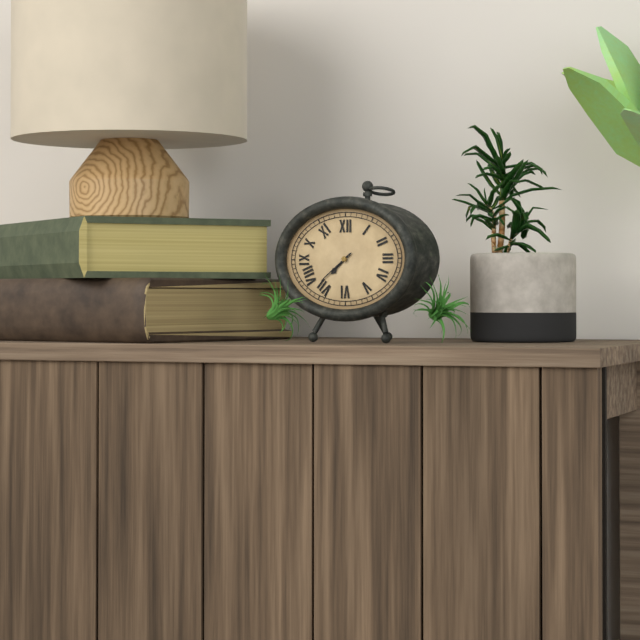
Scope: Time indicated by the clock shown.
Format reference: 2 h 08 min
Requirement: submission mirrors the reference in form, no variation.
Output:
7 h 39 min
